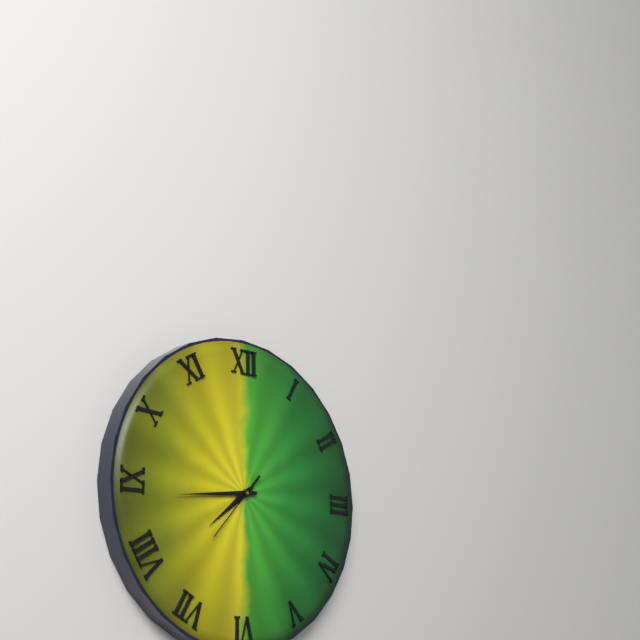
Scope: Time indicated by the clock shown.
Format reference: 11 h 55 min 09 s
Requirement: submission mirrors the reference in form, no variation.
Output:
7 h 44 min 37 s
